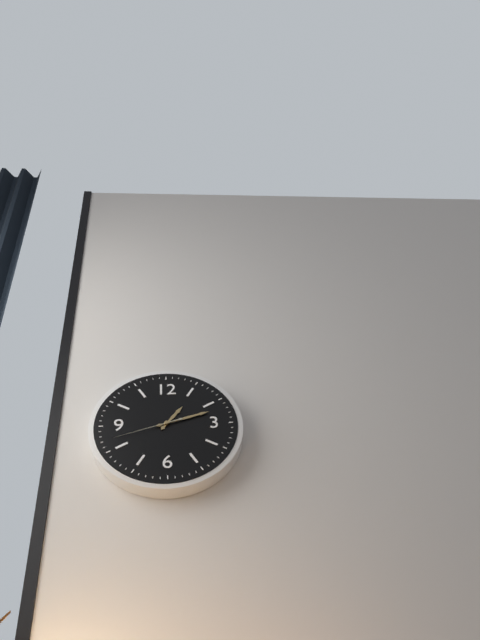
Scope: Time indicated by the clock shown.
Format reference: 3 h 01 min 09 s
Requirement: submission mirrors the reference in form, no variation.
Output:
1 h 12 min 42 s
